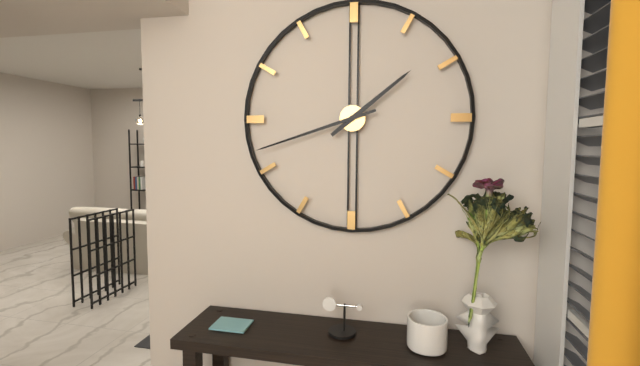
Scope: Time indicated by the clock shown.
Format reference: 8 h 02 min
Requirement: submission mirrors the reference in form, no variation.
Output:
1 h 42 min
